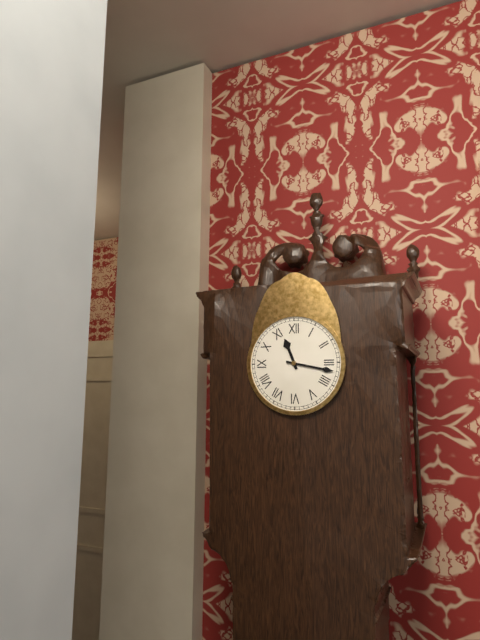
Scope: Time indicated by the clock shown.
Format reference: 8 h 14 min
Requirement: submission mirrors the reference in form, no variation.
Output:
11 h 17 min
